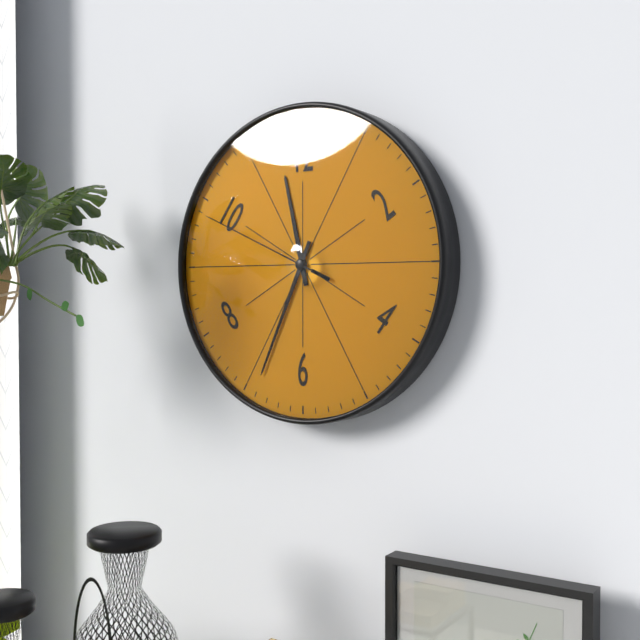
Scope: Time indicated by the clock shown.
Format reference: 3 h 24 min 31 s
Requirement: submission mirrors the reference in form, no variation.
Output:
11 h 34 min 49 s
